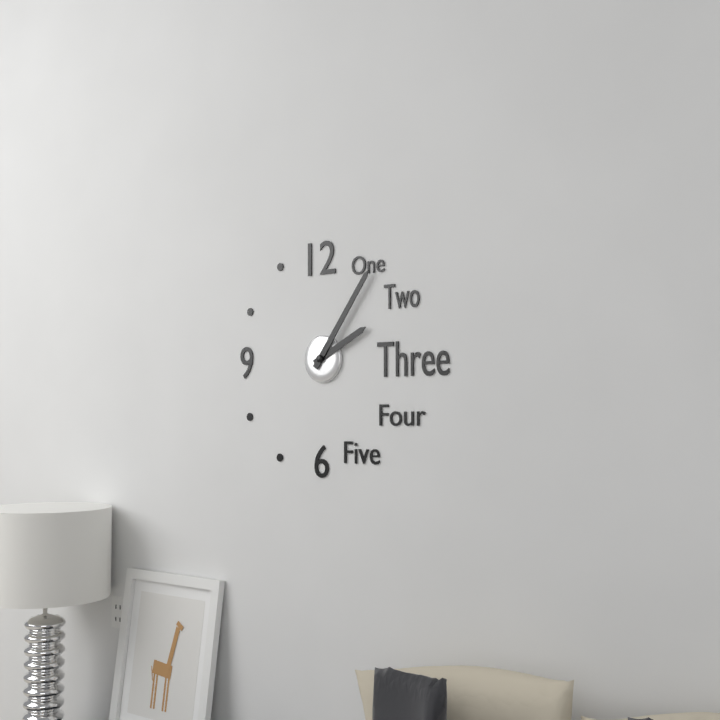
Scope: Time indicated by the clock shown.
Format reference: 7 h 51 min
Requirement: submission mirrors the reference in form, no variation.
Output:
2 h 06 min
